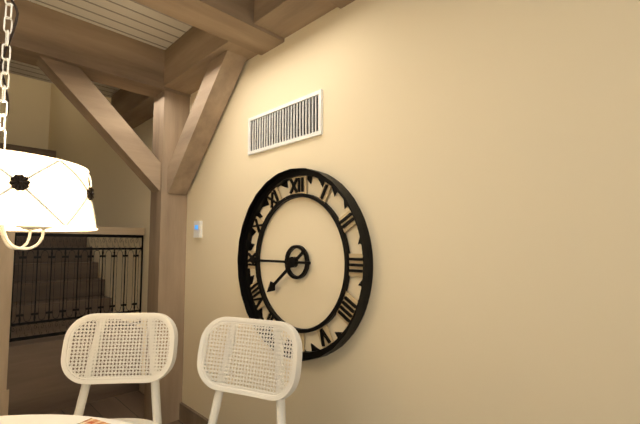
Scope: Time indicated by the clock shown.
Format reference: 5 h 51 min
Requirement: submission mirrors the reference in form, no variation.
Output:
7 h 45 min
